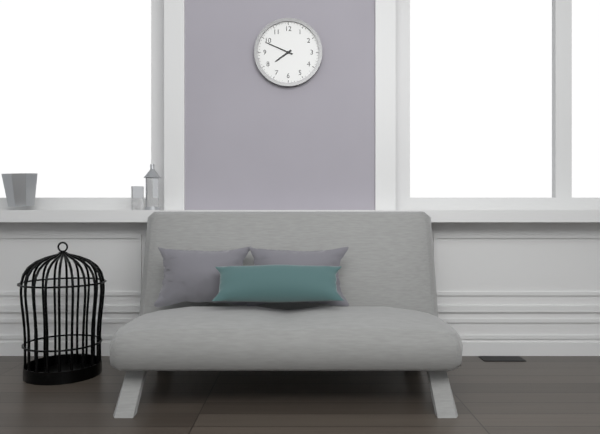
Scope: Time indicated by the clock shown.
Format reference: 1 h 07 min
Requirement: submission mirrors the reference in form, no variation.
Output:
7 h 49 min
